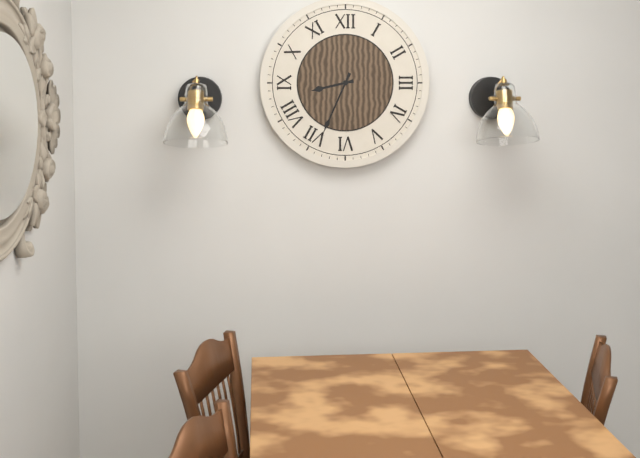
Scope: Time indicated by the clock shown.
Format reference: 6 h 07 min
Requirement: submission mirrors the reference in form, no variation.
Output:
8 h 34 min
